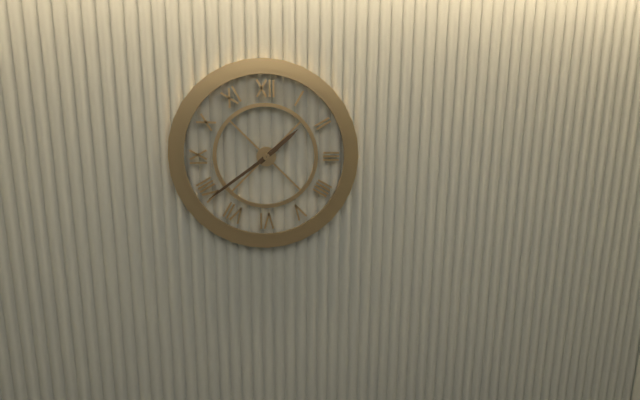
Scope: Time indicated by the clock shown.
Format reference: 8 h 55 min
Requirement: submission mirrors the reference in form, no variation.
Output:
1 h 39 min
